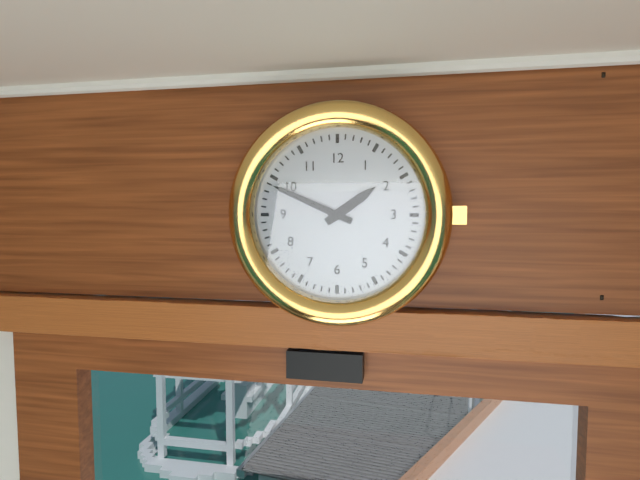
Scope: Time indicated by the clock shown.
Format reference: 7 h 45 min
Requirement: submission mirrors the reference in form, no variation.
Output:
1 h 49 min
